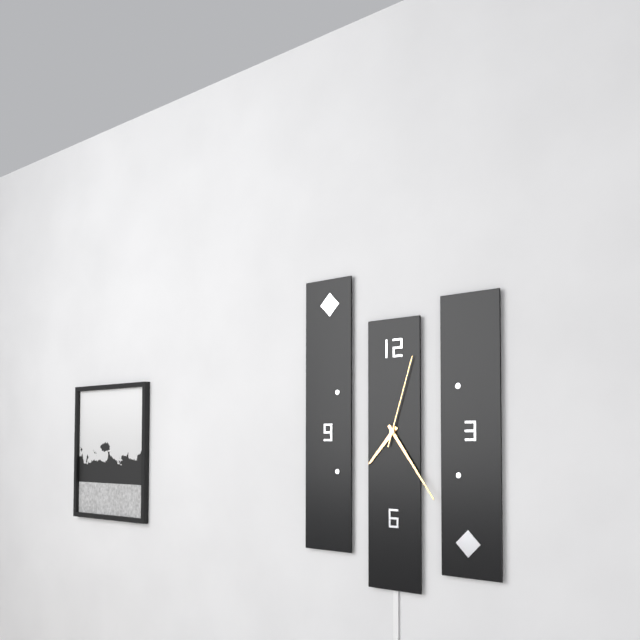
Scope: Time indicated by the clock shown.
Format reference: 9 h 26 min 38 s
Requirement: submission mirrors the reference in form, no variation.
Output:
7 h 24 min 03 s
